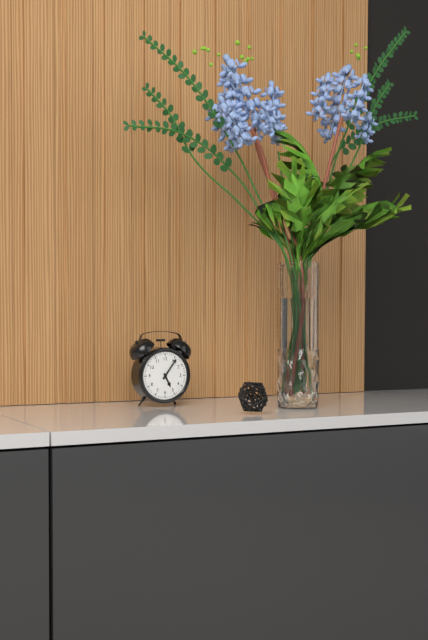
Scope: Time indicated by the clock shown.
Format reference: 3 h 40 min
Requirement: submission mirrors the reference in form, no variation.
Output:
5 h 06 min
